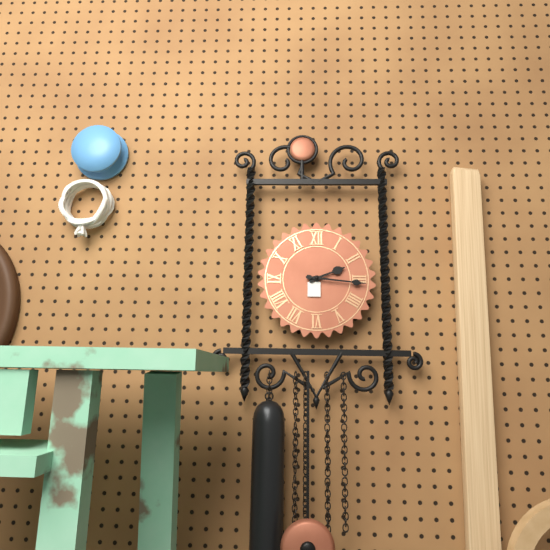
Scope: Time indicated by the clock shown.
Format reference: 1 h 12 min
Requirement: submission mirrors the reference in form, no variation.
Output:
2 h 16 min
